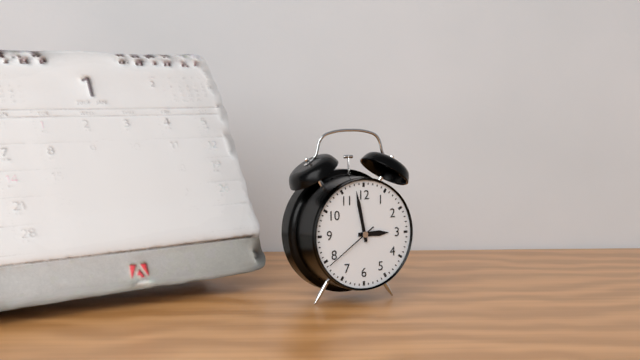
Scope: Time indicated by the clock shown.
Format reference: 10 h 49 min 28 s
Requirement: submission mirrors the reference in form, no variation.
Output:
2 h 58 min 39 s
